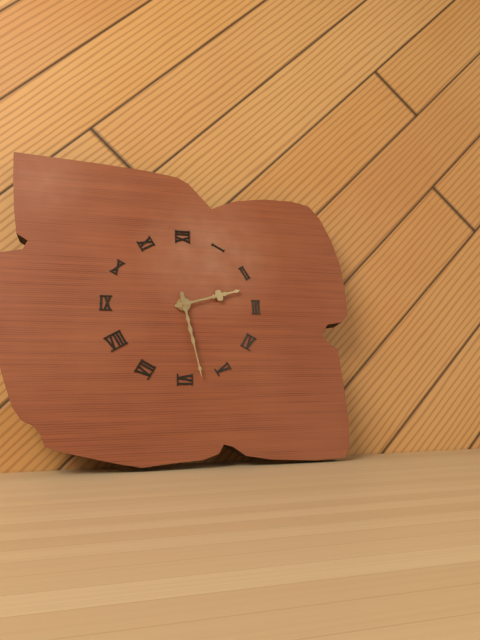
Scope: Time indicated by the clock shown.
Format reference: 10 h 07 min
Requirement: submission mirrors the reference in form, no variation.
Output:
2 h 28 min
